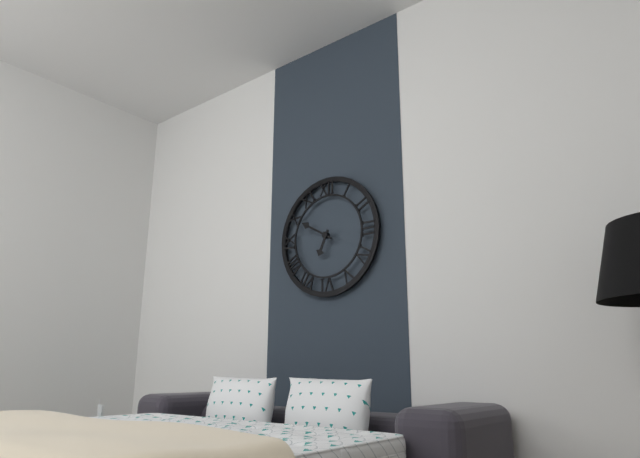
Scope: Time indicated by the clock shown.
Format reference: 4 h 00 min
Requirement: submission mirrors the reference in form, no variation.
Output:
6 h 50 min
